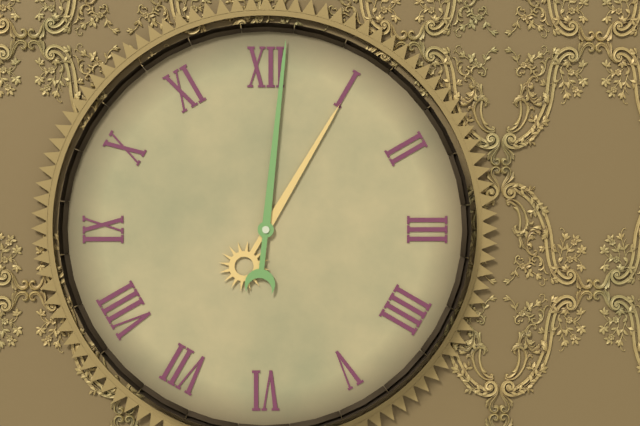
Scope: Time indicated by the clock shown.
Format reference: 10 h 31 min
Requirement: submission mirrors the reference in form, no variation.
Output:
1 h 01 min
